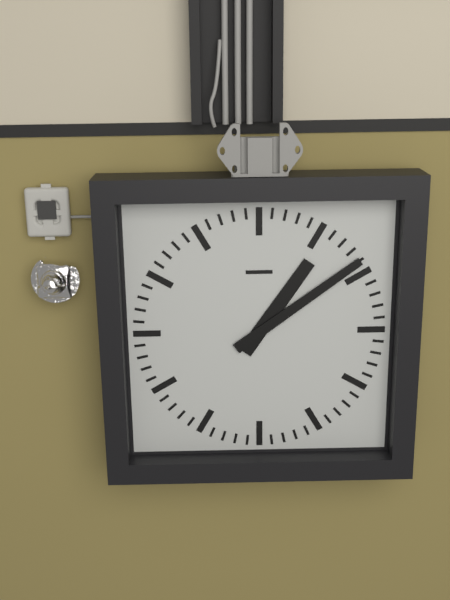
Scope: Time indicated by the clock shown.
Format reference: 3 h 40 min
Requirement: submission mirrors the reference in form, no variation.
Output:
1 h 09 min
